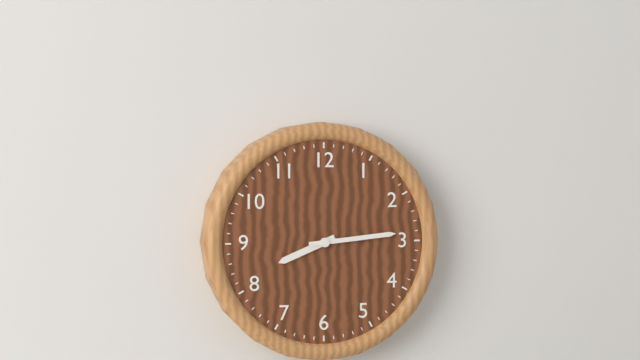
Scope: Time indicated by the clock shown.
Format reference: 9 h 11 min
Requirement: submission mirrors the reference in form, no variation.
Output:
8 h 14 min
